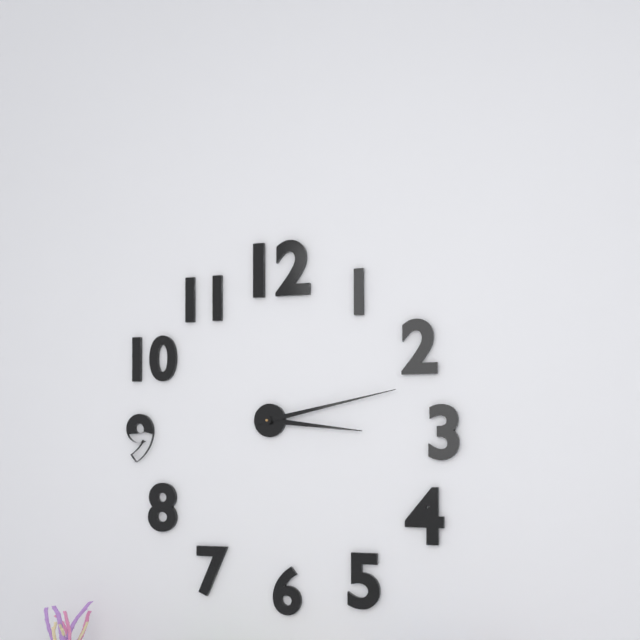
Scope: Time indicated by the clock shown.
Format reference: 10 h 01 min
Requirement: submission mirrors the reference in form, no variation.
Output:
3 h 13 min
